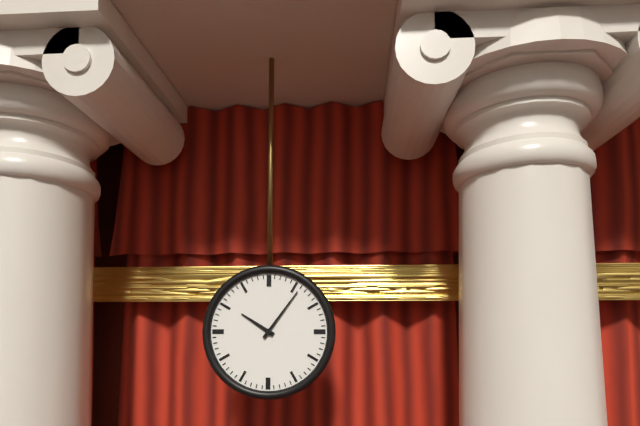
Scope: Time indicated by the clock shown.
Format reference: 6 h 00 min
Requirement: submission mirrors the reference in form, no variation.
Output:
10 h 06 min
